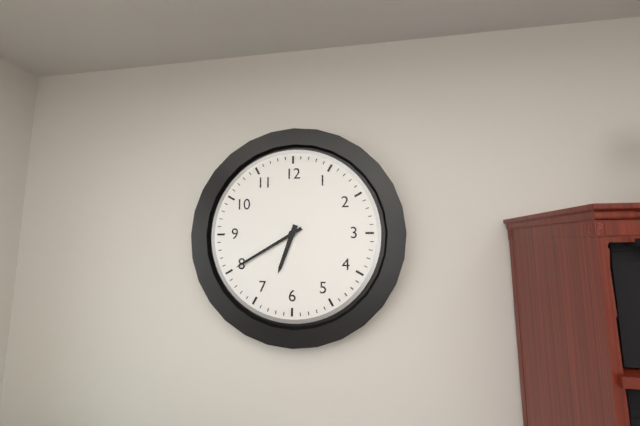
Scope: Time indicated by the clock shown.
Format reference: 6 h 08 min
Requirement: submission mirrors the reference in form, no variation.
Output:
6 h 40 min
